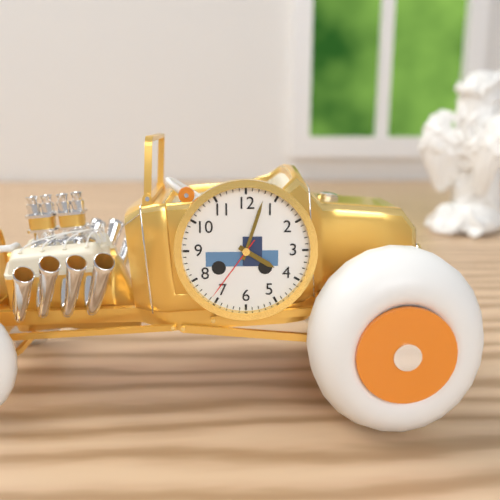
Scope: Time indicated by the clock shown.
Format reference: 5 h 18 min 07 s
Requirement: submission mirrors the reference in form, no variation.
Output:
4 h 03 min 36 s
